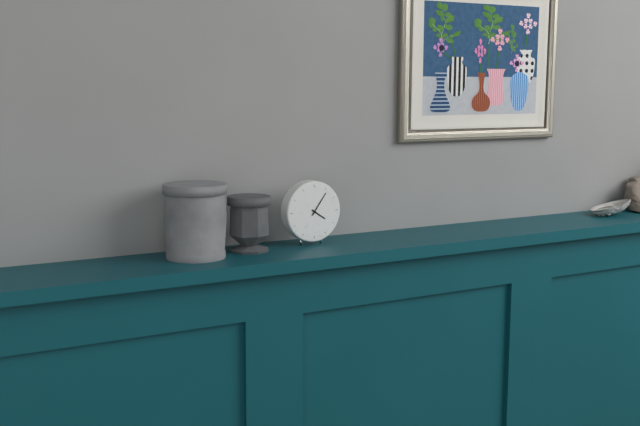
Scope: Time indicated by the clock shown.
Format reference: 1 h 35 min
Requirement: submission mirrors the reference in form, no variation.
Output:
4 h 06 min
